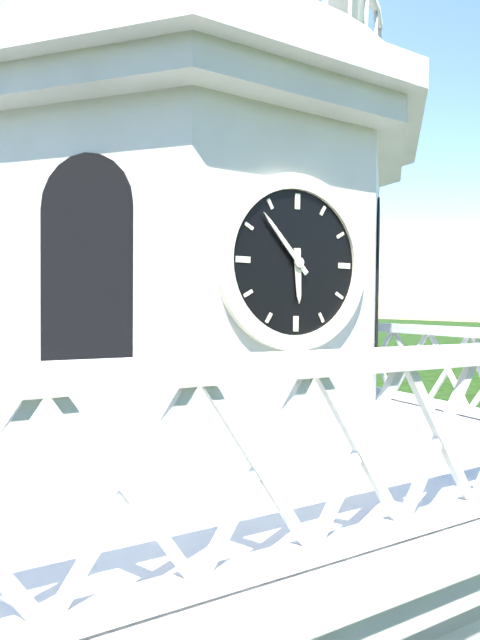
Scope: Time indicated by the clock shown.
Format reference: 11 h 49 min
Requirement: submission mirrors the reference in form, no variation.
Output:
5 h 53 min
